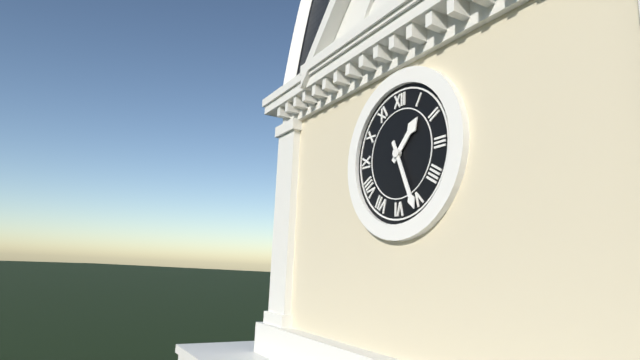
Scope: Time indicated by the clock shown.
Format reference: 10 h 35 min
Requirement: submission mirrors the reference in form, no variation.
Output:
1 h 26 min
